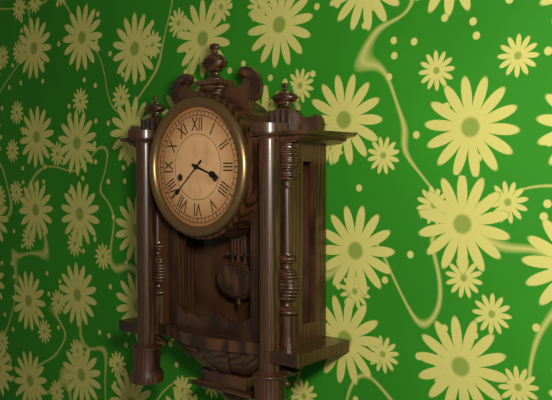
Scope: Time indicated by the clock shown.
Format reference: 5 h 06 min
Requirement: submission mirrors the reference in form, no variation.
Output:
3 h 38 min
